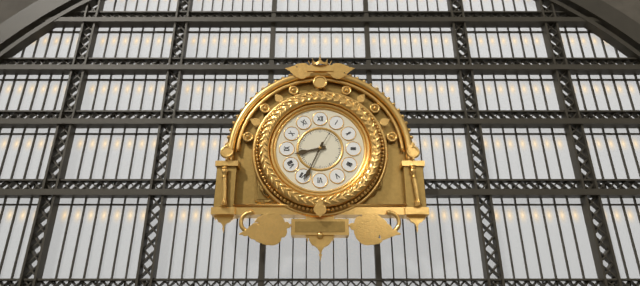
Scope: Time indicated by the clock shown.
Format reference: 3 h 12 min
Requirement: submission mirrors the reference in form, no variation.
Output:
8 h 34 min
